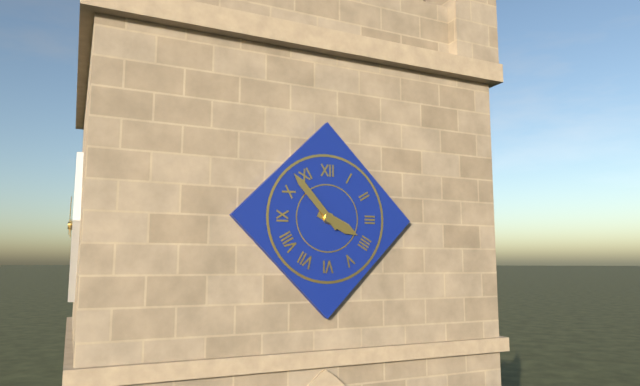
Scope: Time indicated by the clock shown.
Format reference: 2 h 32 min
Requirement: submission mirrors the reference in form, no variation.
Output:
3 h 53 min
